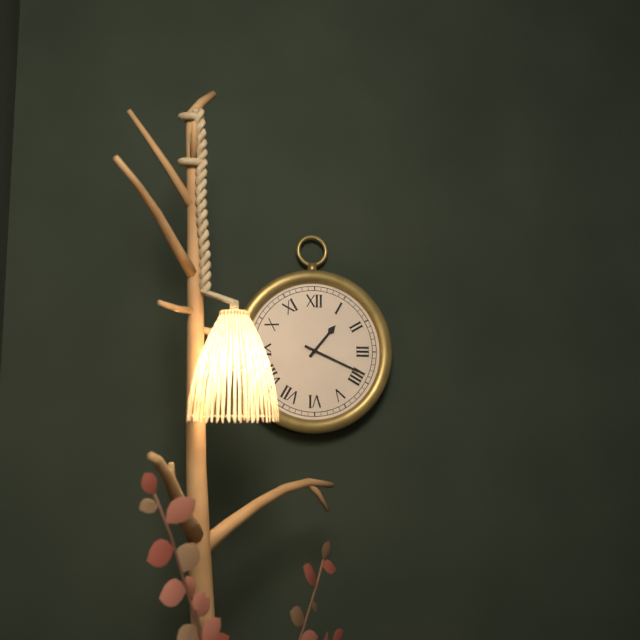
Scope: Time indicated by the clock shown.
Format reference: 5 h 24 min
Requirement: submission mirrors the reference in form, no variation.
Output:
1 h 19 min
